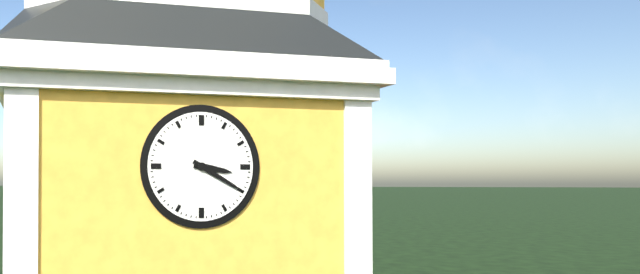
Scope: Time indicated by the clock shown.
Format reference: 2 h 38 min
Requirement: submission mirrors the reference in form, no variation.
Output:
3 h 20 min
